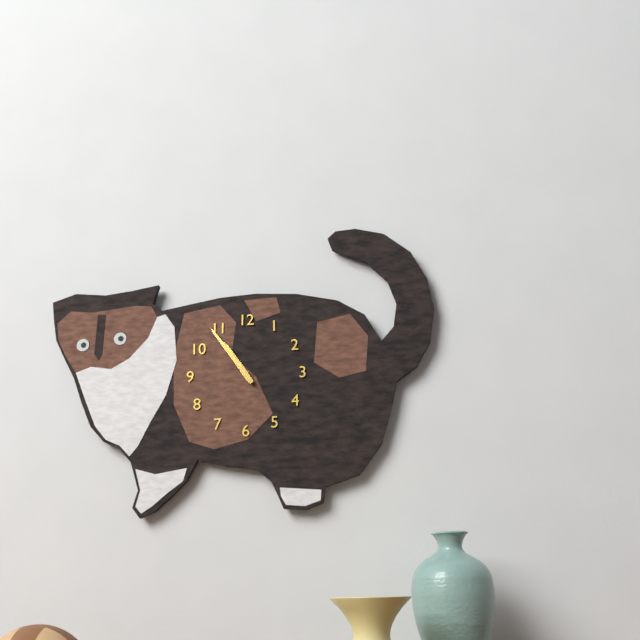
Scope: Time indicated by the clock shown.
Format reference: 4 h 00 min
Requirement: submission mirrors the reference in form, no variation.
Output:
10 h 54 min
